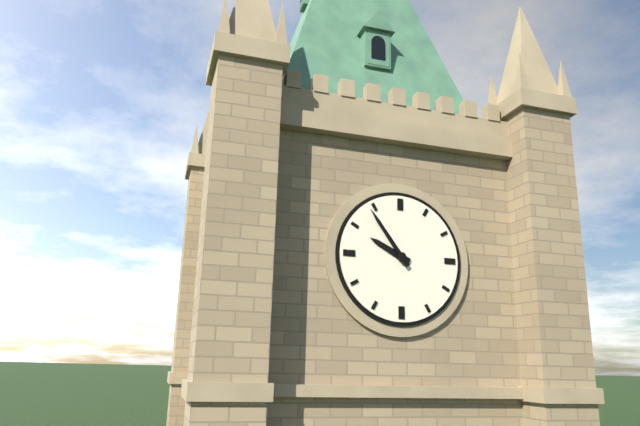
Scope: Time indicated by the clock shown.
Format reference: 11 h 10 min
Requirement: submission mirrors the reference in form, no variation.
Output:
9 h 54 min
